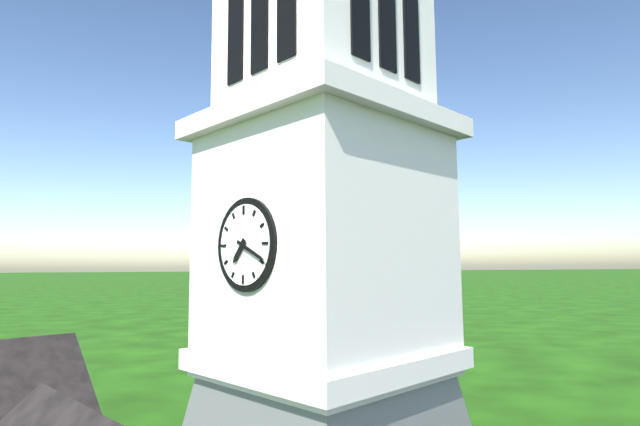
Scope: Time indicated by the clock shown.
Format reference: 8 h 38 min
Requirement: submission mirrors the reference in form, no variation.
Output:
7 h 19 min
